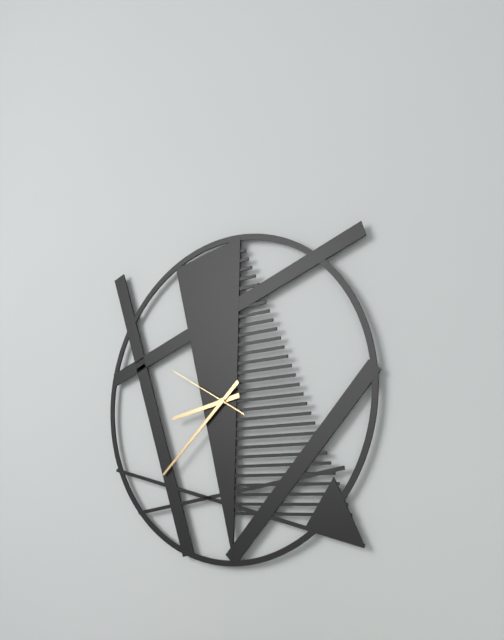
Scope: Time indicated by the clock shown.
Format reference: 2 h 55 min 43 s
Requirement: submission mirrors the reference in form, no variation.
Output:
8 h 38 min 50 s
